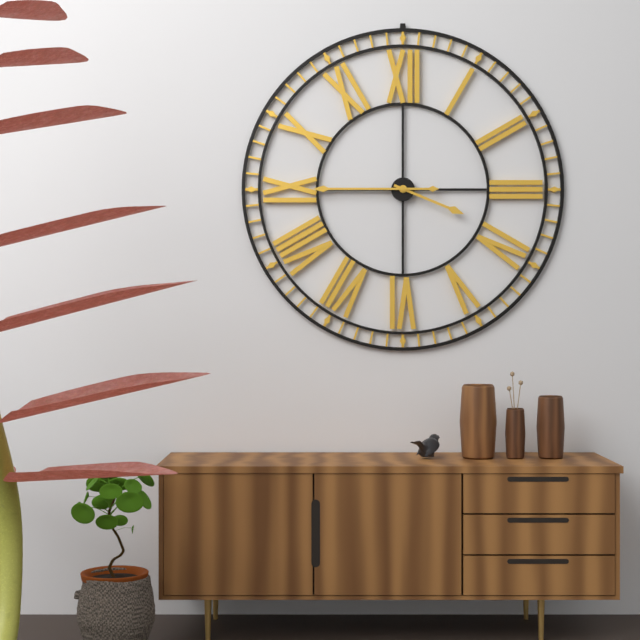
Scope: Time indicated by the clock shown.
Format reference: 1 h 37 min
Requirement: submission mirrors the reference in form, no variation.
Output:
3 h 45 min
